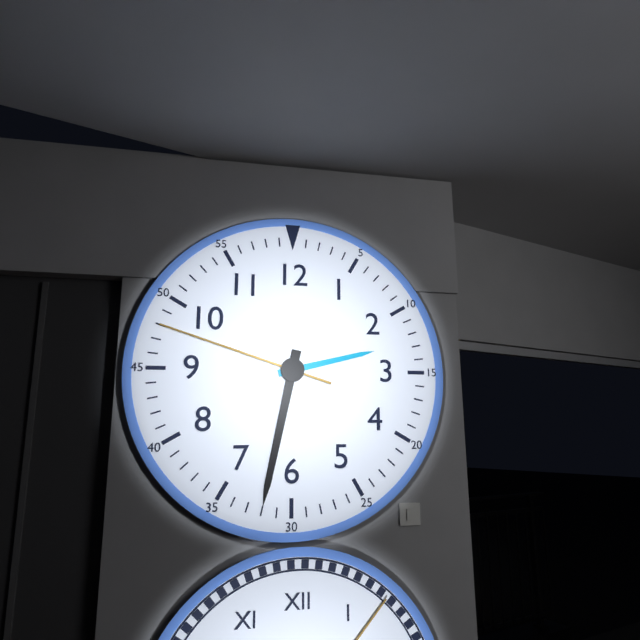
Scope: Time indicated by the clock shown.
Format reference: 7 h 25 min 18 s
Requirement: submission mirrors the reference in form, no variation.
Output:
2 h 32 min 48 s
